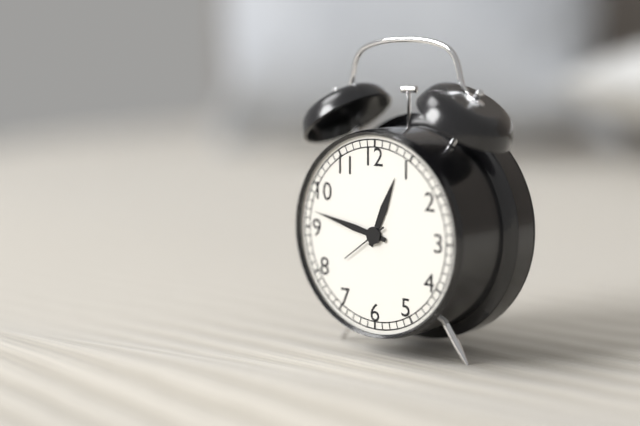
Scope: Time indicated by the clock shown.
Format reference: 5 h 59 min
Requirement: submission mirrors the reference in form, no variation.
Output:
12 h 47 min
